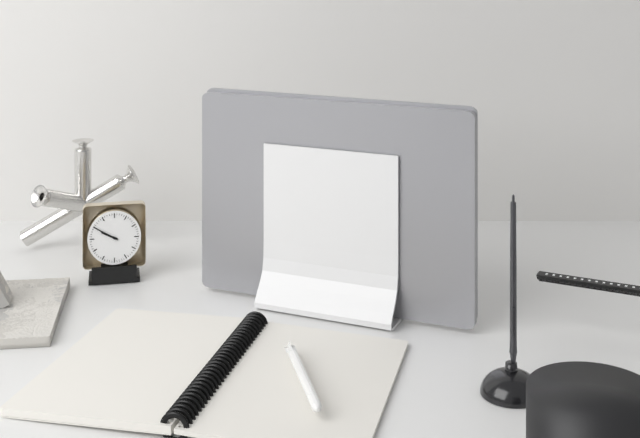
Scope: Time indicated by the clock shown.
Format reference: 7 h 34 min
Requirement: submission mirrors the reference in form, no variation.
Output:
9 h 50 min
